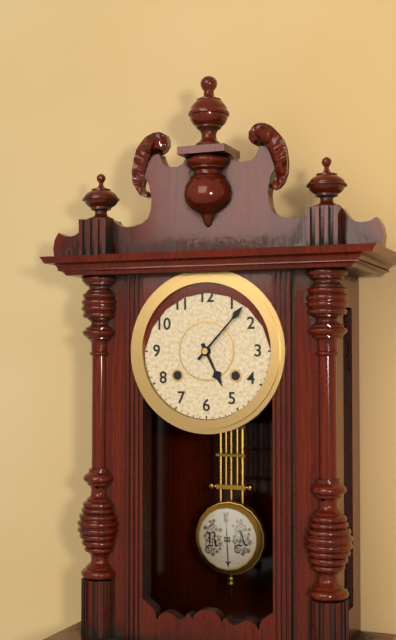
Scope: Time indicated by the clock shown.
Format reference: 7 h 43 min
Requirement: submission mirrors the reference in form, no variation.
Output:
5 h 07 min
